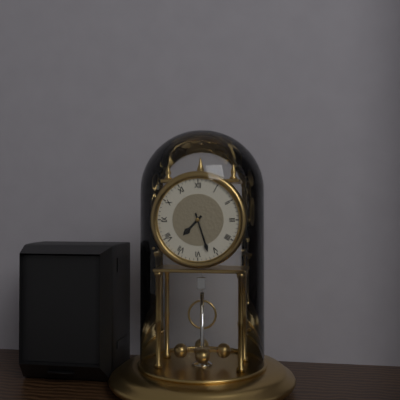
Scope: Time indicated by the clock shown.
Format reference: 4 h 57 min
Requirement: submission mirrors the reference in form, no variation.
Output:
7 h 27 min
